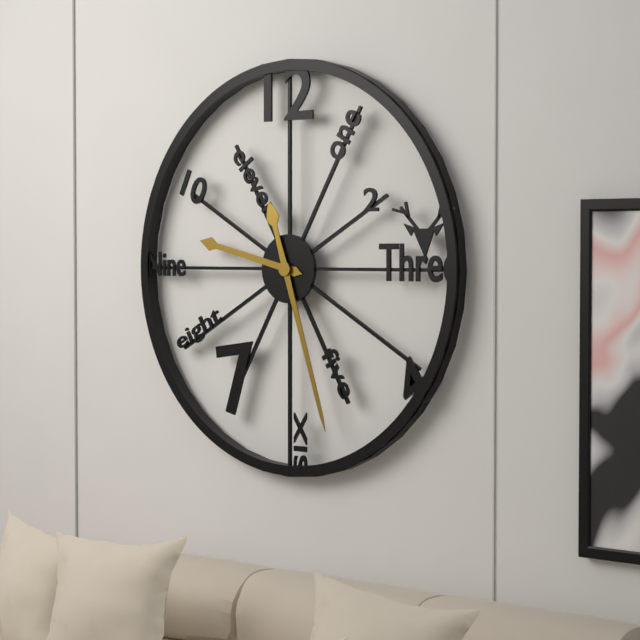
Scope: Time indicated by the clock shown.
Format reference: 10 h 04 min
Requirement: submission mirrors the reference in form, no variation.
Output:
9 h 27 min
